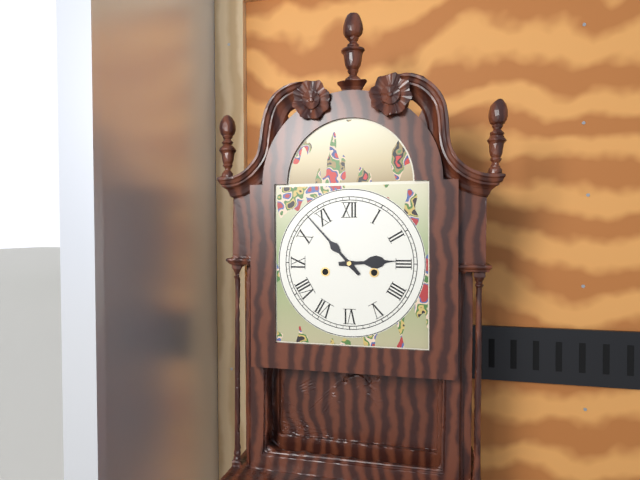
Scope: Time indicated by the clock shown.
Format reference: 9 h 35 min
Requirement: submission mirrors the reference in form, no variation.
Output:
2 h 53 min
